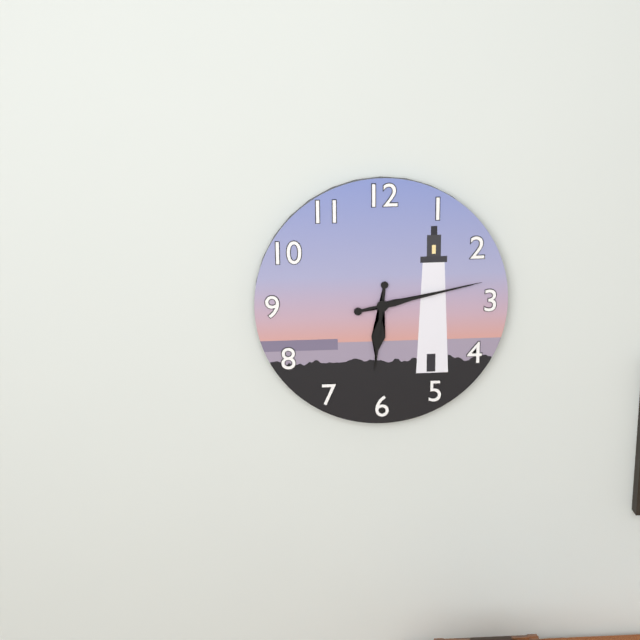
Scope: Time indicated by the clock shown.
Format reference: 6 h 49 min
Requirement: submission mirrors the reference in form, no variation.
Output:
6 h 13 min
